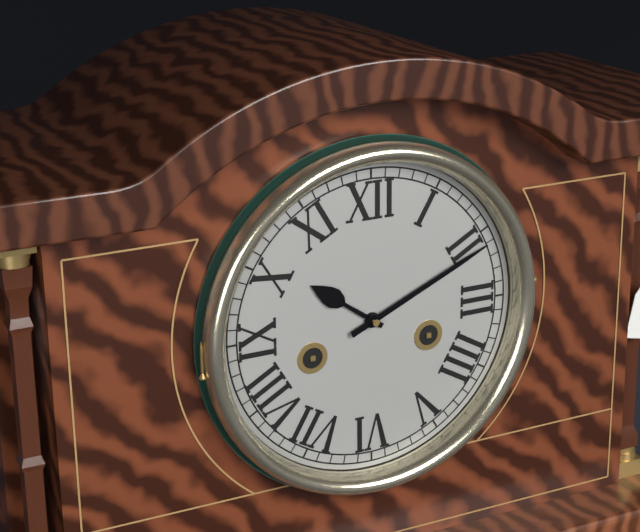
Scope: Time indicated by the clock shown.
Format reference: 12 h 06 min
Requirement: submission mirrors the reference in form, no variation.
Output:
10 h 11 min
